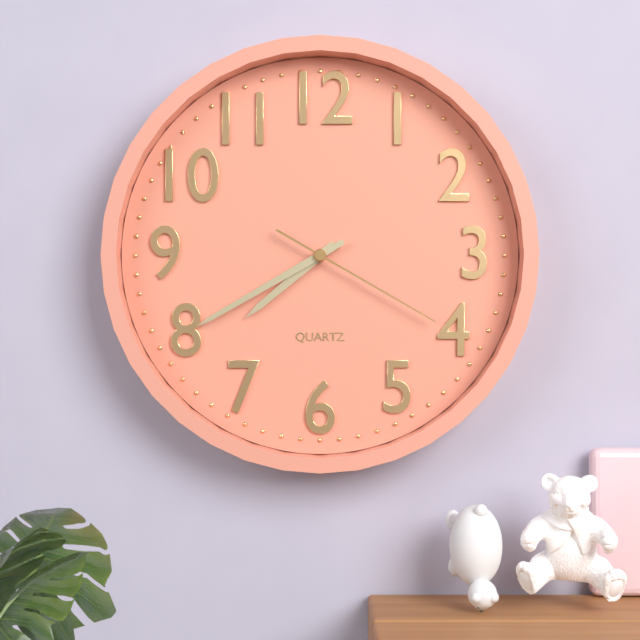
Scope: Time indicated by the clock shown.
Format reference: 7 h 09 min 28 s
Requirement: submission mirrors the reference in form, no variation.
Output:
7 h 40 min 20 s
